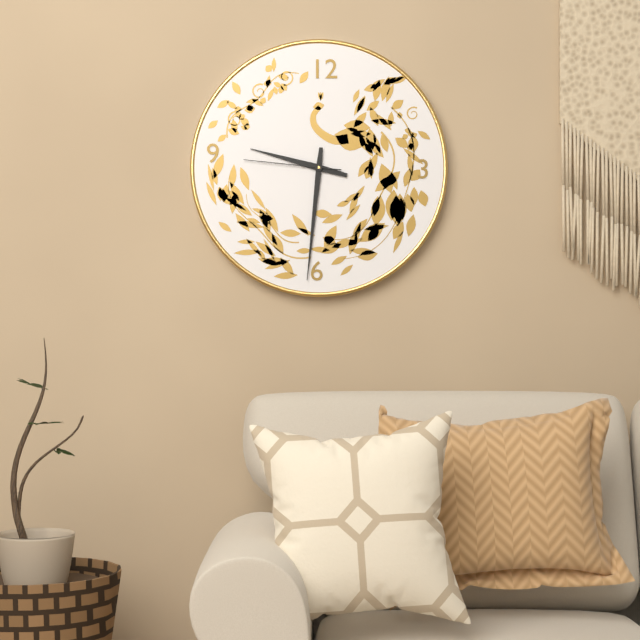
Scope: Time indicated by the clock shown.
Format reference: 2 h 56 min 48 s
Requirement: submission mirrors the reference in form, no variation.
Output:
9 h 31 min 46 s
